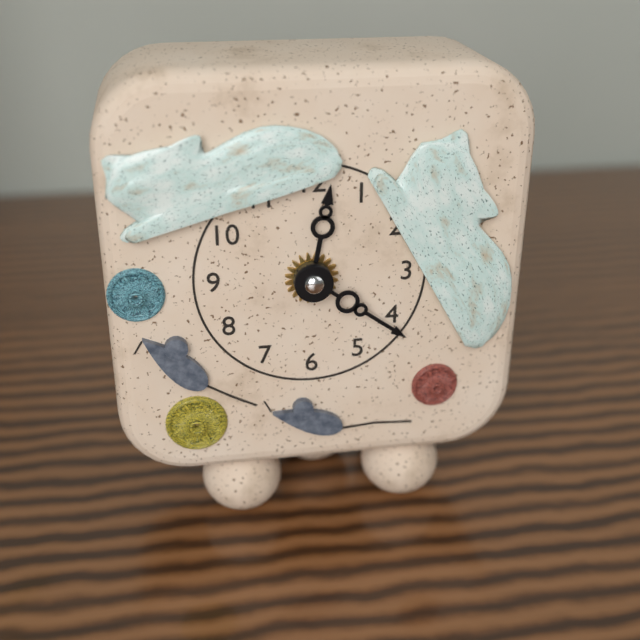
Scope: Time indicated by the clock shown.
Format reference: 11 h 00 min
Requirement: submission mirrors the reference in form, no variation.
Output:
12 h 21 min
